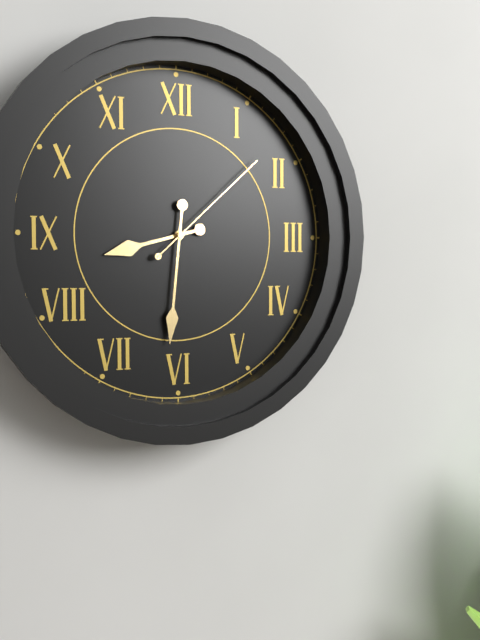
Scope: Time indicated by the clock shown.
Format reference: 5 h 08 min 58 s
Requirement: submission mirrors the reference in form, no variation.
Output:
8 h 31 min 08 s
